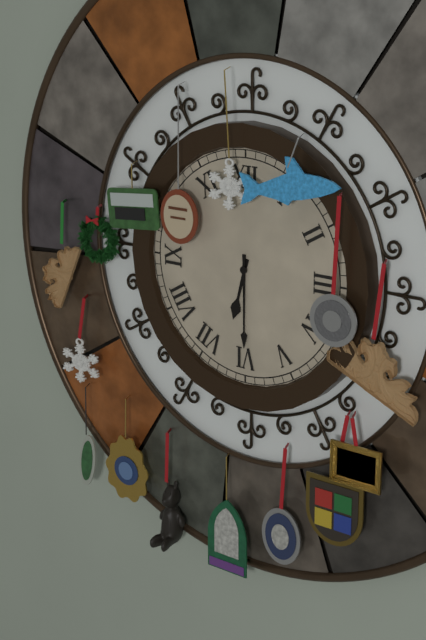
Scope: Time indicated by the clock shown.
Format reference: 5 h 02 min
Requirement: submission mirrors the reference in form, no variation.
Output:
6 h 30 min
